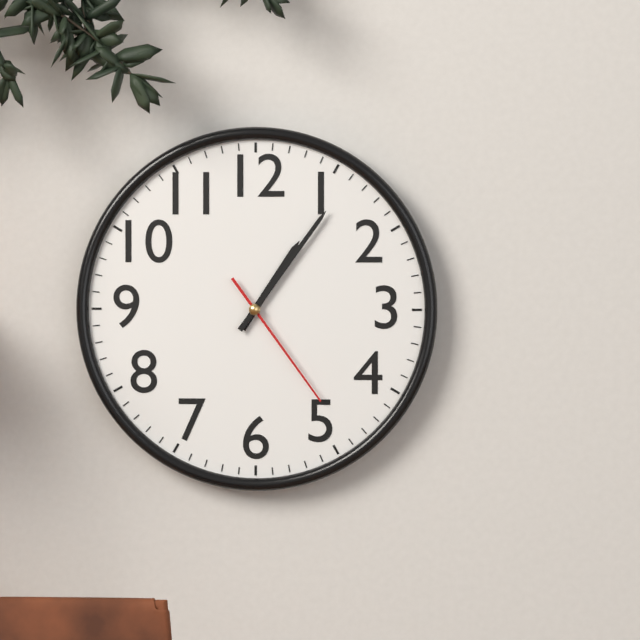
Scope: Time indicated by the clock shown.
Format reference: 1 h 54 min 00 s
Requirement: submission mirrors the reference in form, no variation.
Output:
1 h 06 min 24 s
